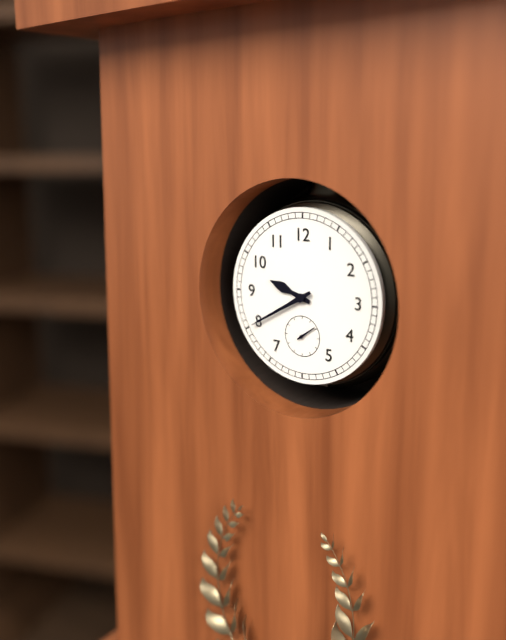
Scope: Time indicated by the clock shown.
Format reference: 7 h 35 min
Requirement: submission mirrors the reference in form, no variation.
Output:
9 h 40 min
